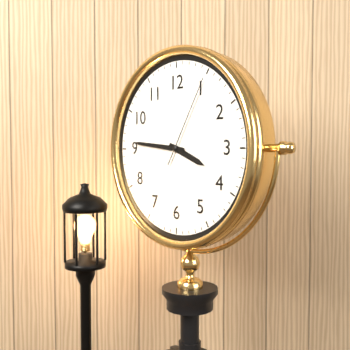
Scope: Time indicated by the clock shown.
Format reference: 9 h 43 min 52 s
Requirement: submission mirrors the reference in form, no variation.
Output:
3 h 46 min 05 s
